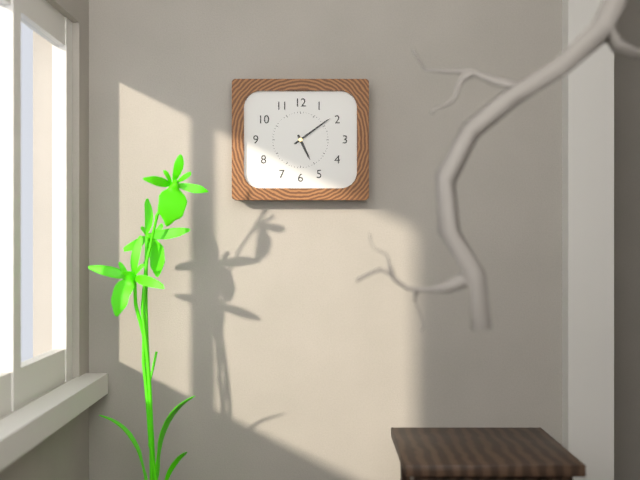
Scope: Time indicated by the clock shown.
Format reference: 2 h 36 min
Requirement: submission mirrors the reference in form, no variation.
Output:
5 h 09 min
